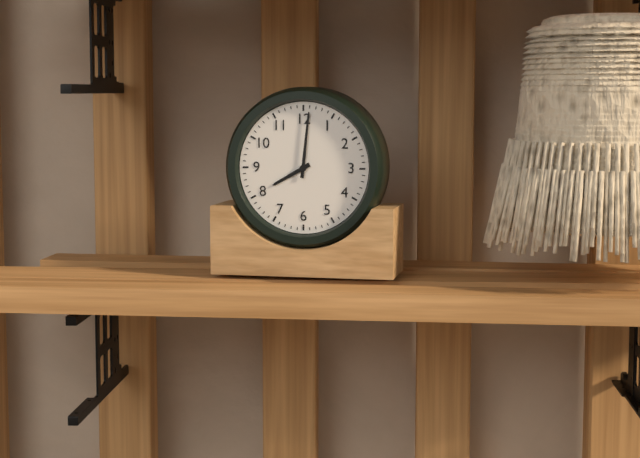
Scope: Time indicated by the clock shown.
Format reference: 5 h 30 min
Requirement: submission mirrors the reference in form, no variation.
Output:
8 h 01 min
